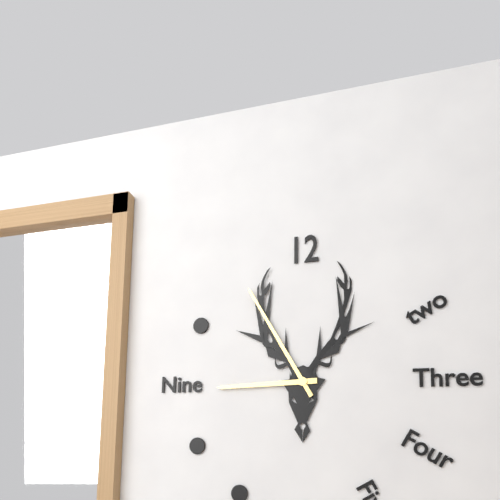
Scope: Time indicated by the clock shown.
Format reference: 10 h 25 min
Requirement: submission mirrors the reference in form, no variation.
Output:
8 h 55 min
